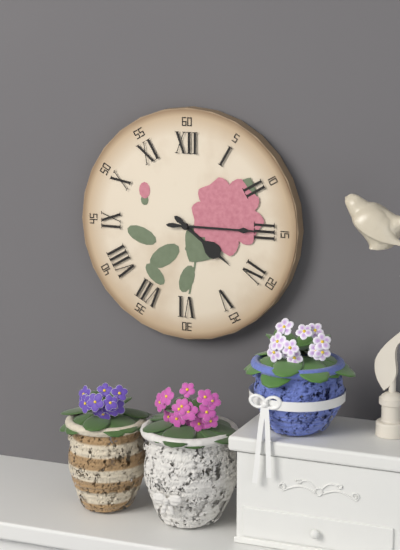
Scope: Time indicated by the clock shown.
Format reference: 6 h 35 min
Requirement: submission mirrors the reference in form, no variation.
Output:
4 h 15 min
